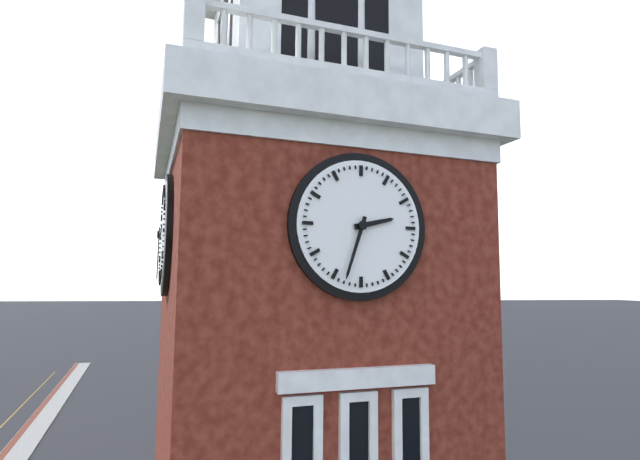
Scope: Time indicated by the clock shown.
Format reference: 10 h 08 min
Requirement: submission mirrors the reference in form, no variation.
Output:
2 h 33 min
